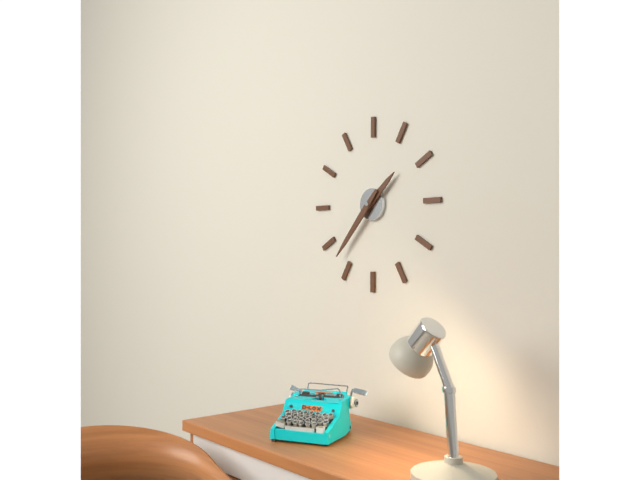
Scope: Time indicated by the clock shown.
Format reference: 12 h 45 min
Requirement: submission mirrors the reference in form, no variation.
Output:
1 h 37 min
